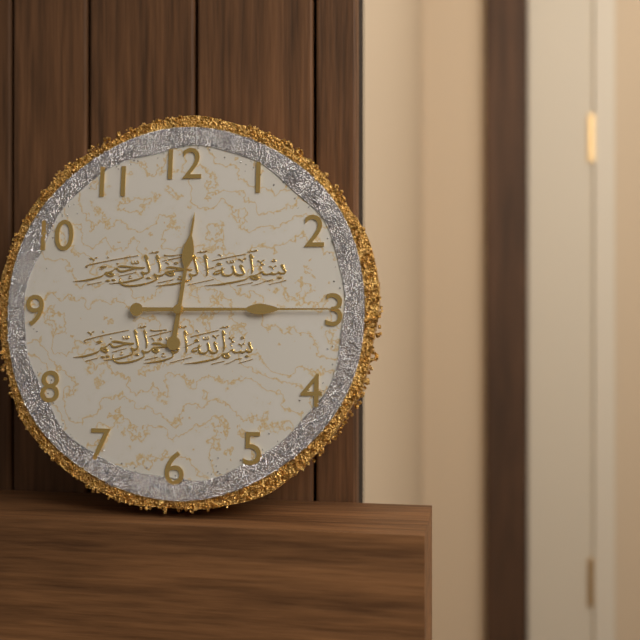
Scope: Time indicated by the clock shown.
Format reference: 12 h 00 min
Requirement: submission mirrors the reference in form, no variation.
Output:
12 h 15 min
